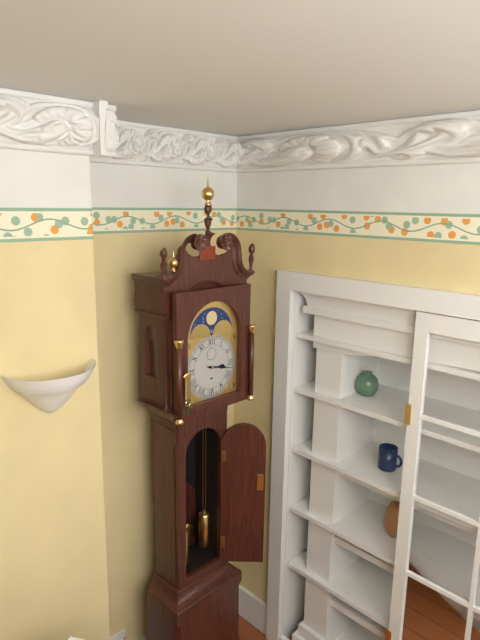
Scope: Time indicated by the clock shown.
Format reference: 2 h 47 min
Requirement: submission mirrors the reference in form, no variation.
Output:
3 h 17 min
